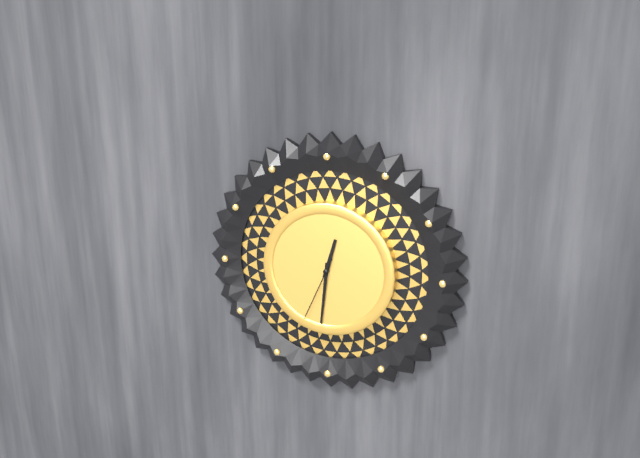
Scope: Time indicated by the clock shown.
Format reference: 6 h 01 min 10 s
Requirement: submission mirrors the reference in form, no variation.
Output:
12 h 31 min 34 s
